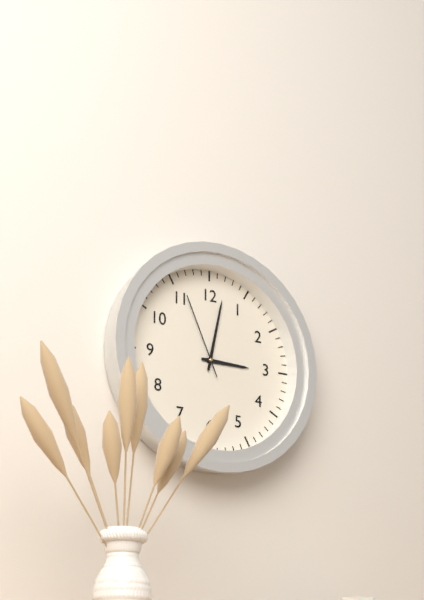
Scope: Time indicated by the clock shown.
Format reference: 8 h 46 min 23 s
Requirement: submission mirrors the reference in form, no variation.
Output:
3 h 02 min 56 s
